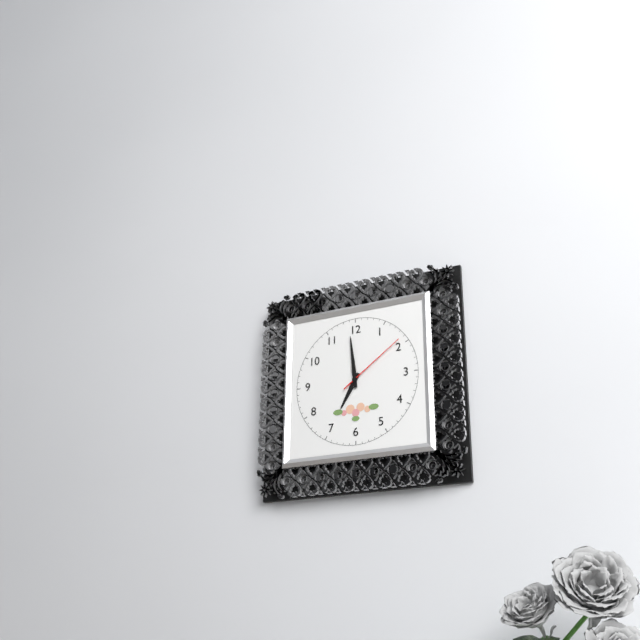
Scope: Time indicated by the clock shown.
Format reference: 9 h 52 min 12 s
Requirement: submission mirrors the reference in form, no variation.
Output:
6 h 59 min 09 s
